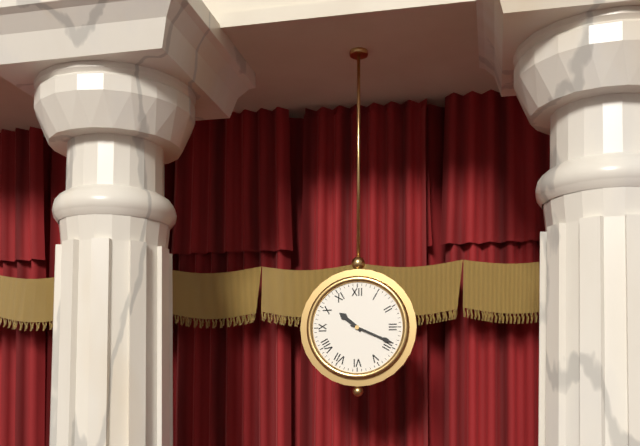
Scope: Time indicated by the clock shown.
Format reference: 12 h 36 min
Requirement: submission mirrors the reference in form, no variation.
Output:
10 h 19 min
